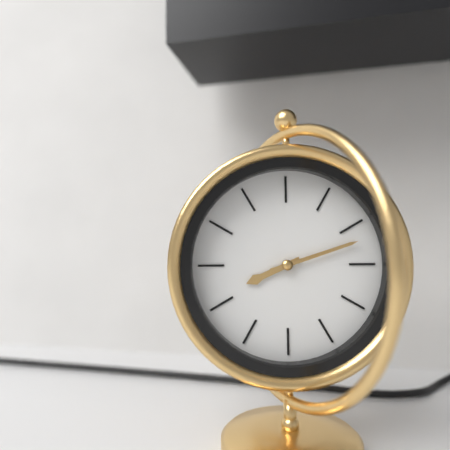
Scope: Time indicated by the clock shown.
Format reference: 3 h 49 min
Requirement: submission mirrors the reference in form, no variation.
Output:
8 h 12 min
